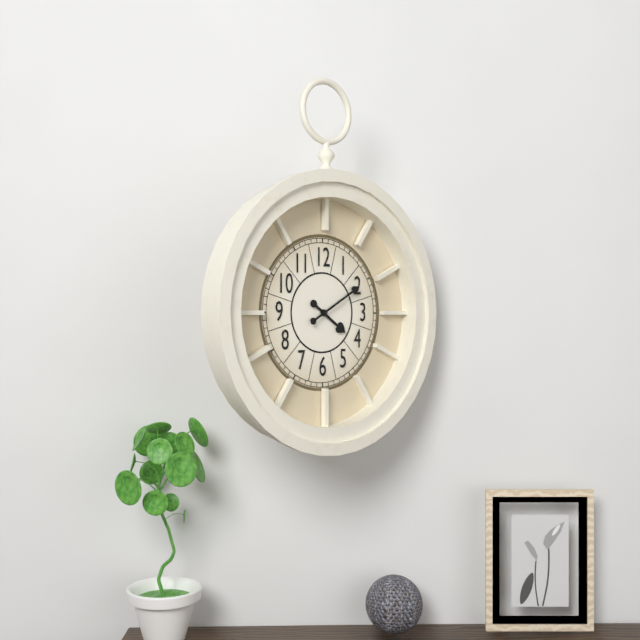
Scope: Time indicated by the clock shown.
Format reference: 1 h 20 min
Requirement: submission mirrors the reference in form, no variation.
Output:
4 h 10 min
